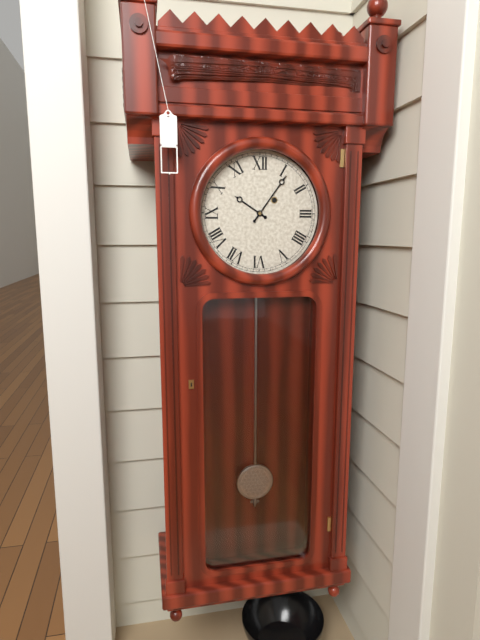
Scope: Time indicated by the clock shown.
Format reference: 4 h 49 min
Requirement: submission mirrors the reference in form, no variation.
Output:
10 h 06 min
